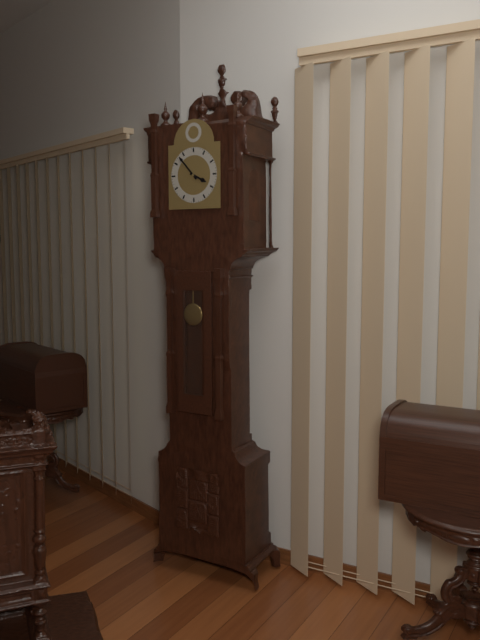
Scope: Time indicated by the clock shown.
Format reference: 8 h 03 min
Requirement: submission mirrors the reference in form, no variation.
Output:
3 h 53 min
